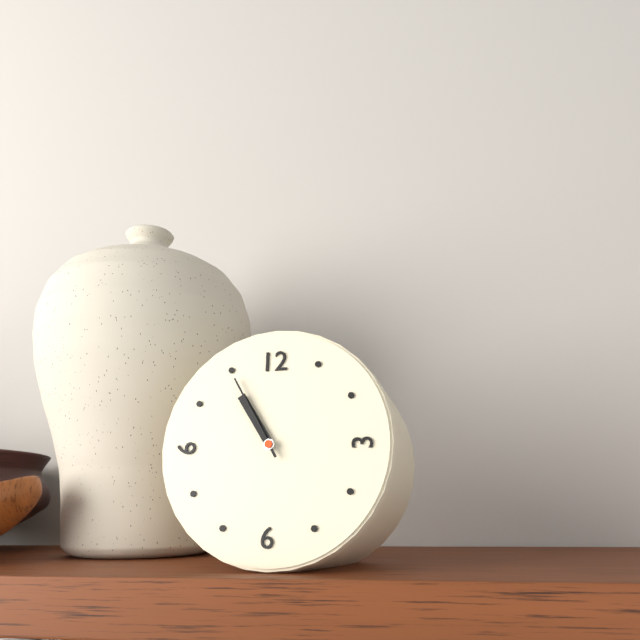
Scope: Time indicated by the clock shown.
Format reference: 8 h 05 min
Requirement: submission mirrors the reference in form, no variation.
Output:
10 h 55 min
